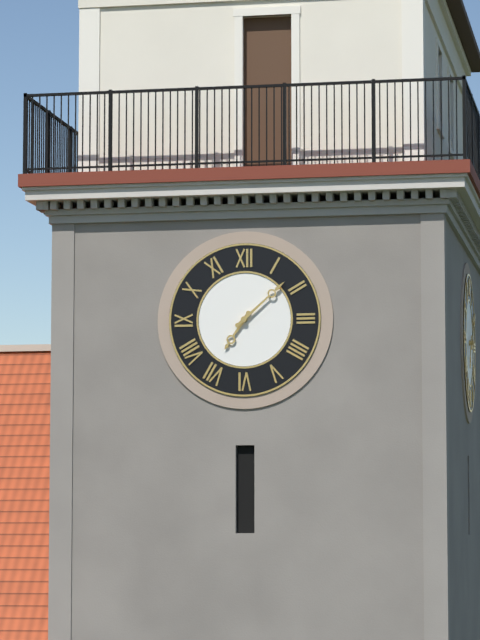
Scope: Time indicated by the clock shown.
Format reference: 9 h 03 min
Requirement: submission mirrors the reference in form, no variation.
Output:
7 h 08 min
